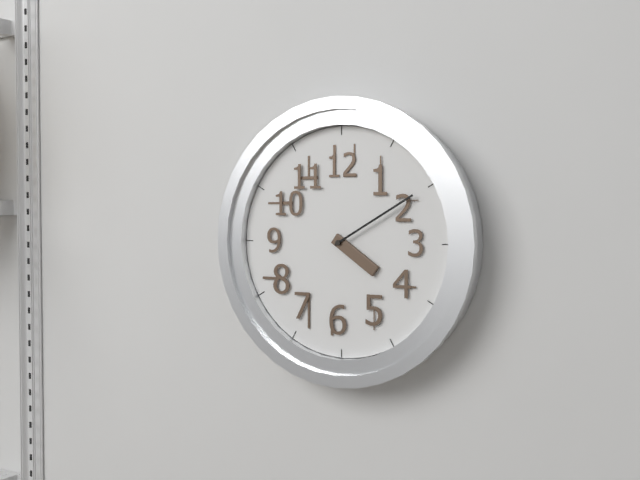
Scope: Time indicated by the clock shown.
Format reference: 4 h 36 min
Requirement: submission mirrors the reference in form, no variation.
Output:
4 h 10 min
